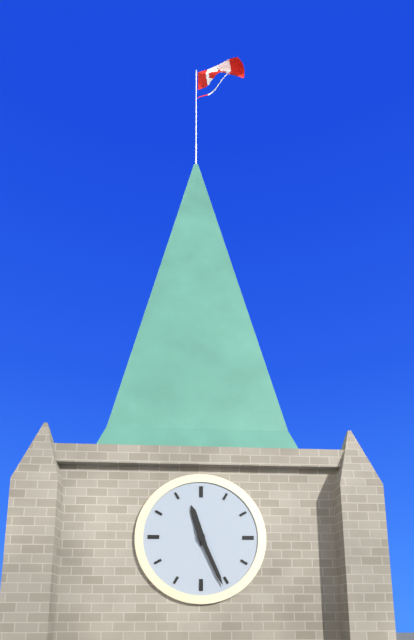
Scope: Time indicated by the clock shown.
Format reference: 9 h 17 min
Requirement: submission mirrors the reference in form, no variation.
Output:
11 h 26 min
